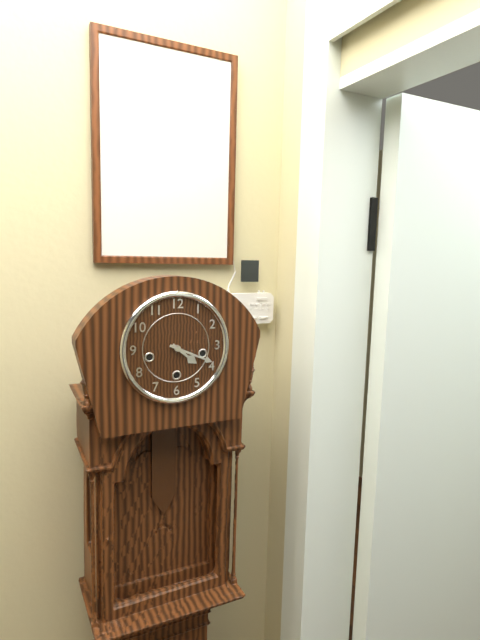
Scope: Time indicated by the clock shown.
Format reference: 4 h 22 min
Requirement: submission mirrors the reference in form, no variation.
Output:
4 h 19 min
